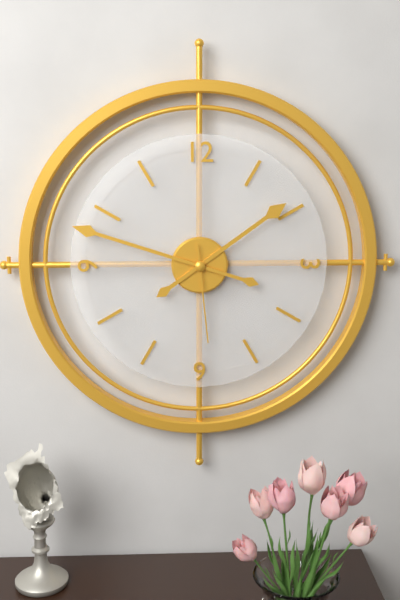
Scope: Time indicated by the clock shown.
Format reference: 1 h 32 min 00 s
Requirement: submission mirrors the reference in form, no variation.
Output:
1 h 48 min 29 s
